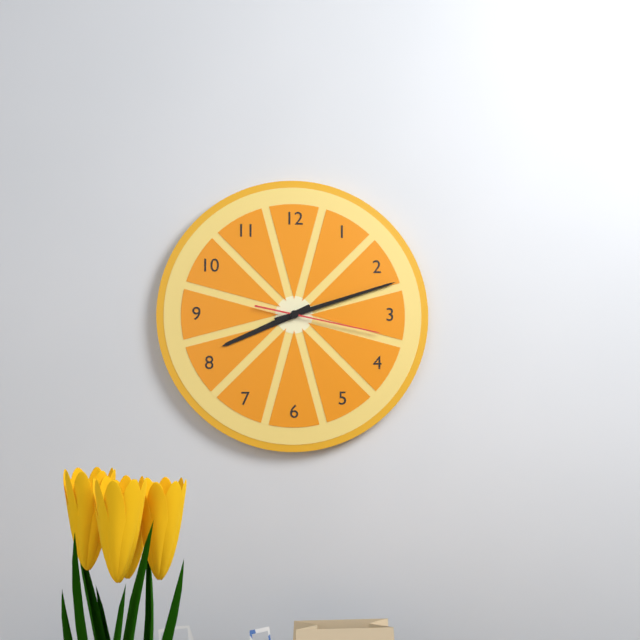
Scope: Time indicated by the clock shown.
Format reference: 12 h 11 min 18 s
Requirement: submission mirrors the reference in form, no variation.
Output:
8 h 12 min 17 s
